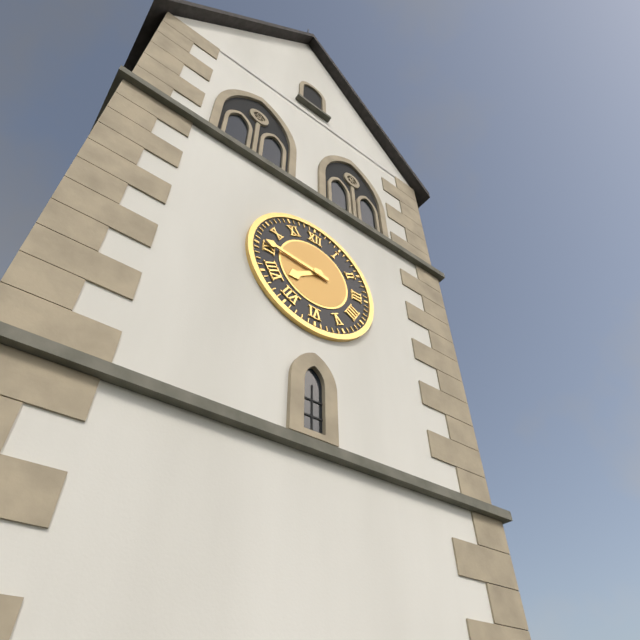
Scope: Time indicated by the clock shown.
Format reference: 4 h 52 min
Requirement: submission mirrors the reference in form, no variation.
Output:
7 h 46 min
